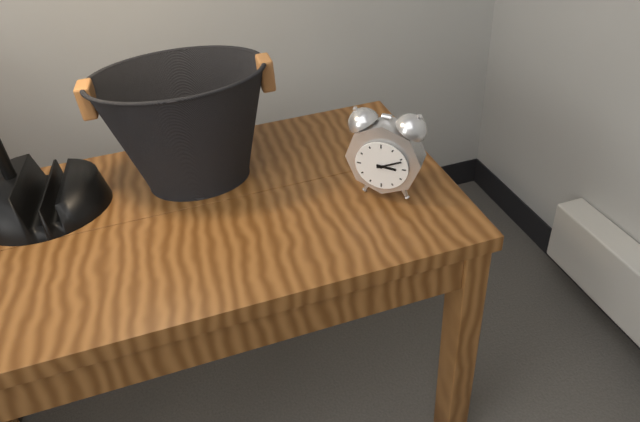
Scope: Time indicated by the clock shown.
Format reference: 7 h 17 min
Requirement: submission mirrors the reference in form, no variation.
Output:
3 h 11 min
